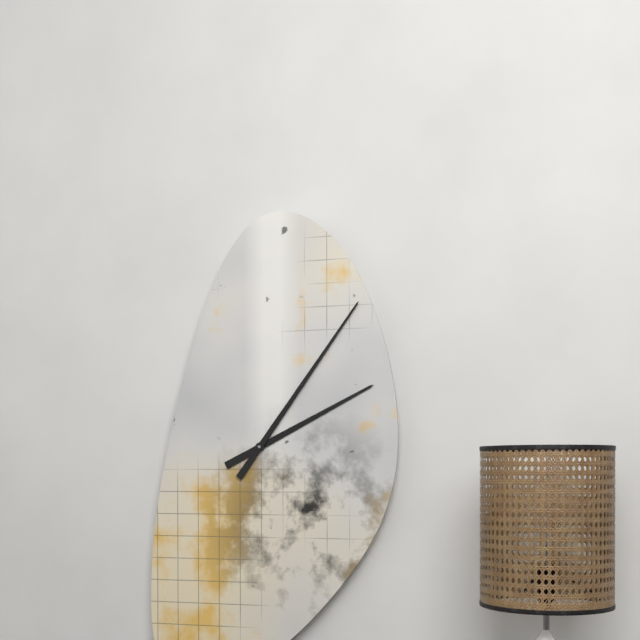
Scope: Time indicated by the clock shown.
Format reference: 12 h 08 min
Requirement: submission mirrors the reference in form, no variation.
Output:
2 h 06 min
